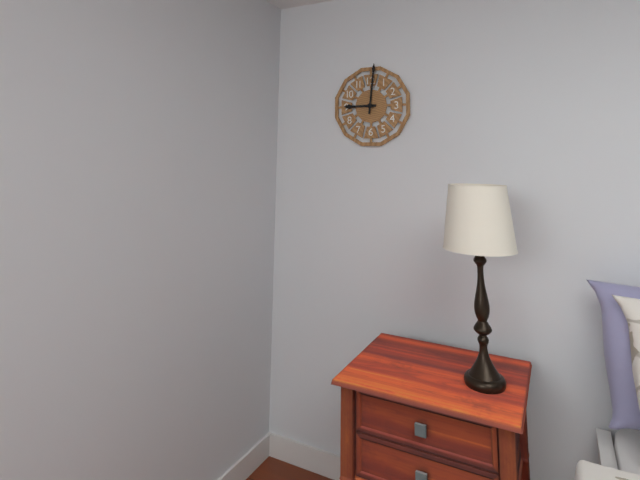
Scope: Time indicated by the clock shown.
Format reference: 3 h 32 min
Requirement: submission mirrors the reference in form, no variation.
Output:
9 h 01 min
